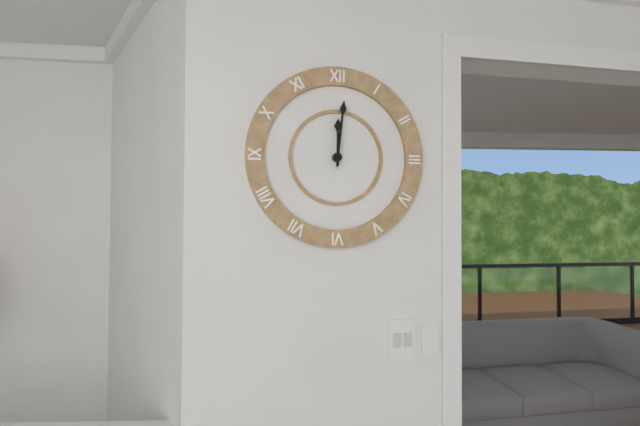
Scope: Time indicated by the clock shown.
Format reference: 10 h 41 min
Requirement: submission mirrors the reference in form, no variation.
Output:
12 h 01 min
